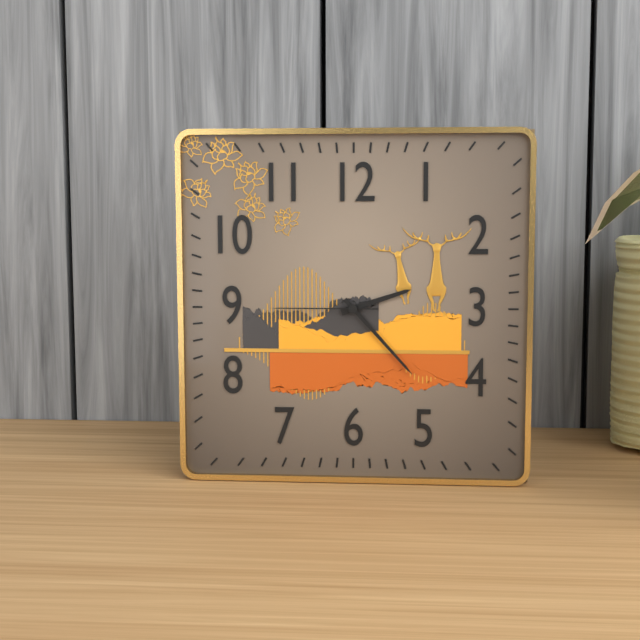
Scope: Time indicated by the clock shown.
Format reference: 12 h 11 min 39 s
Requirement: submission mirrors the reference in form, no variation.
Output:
2 h 23 min 45 s
